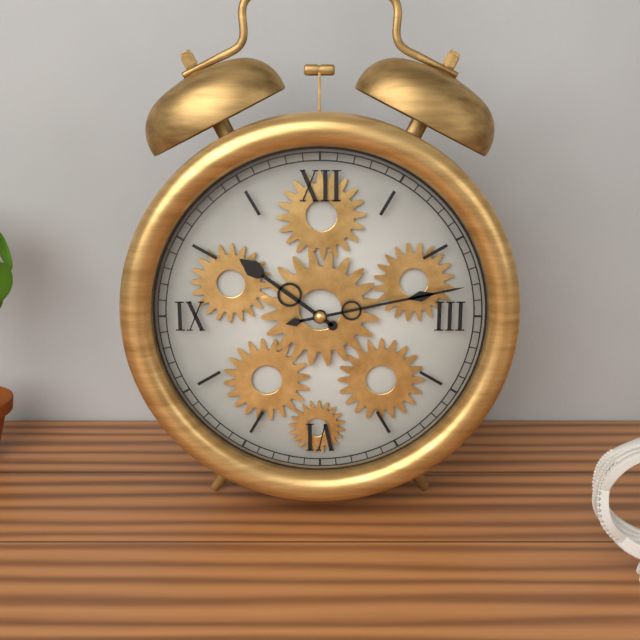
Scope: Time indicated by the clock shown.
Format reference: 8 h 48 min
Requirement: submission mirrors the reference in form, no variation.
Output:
10 h 13 min
